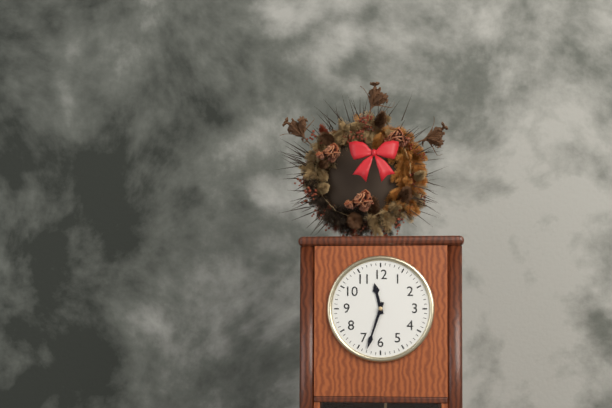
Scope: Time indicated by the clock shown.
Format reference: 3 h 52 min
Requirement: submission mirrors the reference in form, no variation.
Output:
11 h 33 min
